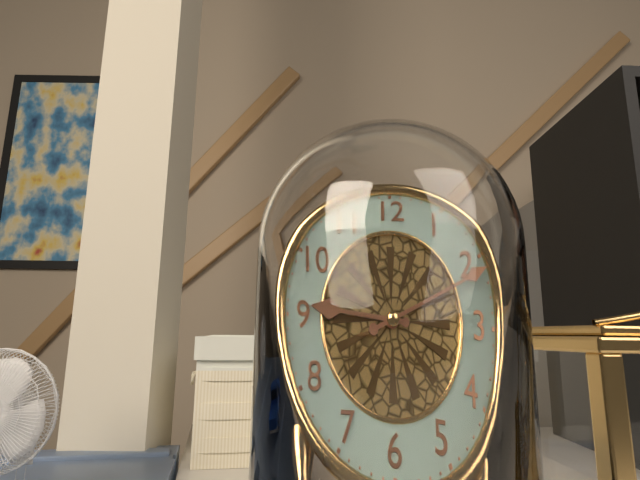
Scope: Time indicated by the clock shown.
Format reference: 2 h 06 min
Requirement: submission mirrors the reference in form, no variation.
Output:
9 h 11 min
